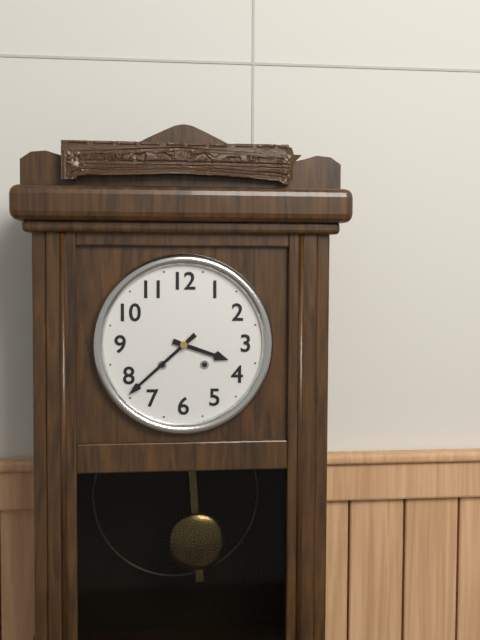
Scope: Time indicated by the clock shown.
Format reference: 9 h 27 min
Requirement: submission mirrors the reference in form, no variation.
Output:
3 h 38 min
